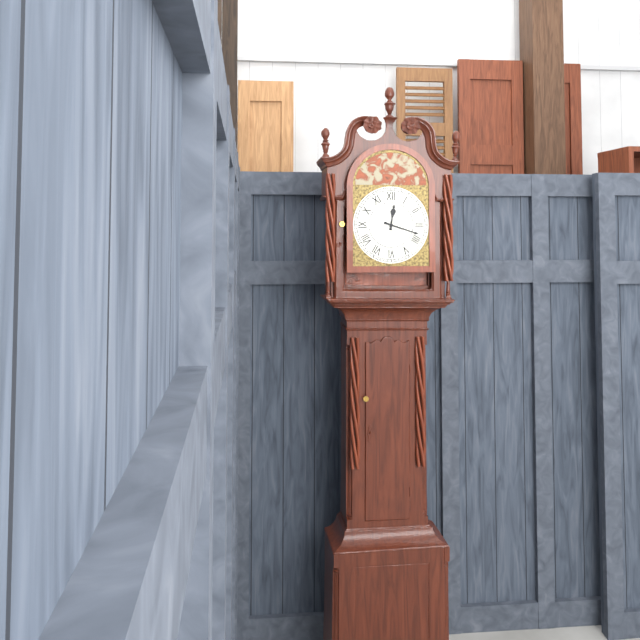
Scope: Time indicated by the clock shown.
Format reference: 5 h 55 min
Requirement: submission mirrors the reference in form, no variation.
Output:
12 h 18 min
